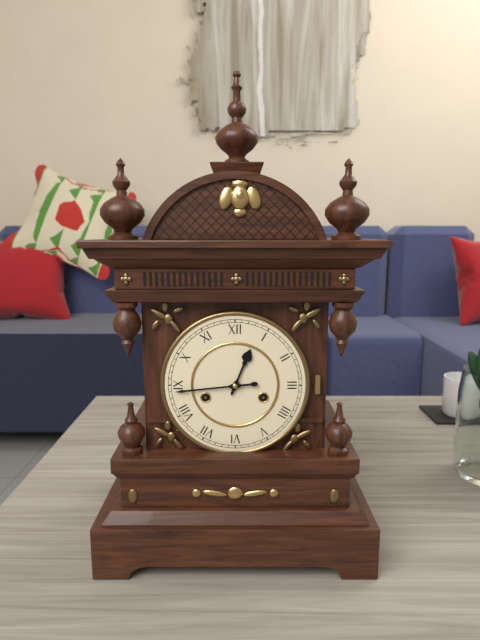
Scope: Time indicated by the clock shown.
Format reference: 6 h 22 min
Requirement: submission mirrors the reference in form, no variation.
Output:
12 h 44 min
